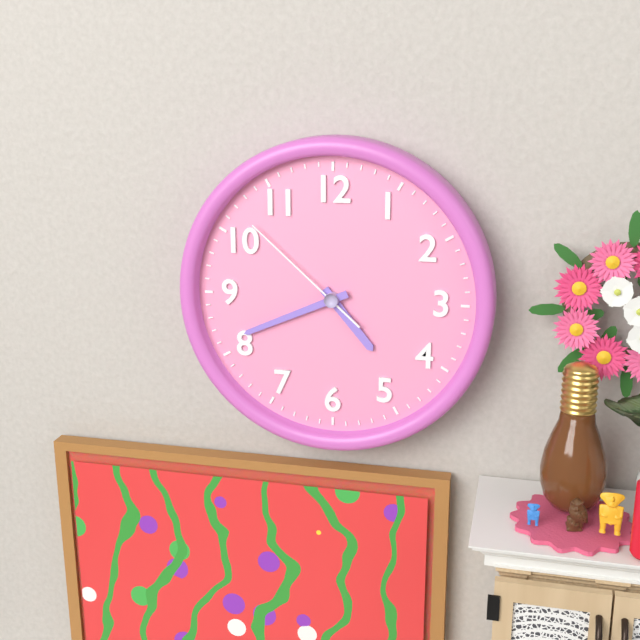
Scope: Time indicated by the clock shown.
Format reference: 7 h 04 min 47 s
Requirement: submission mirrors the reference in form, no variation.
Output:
4 h 41 min 52 s
